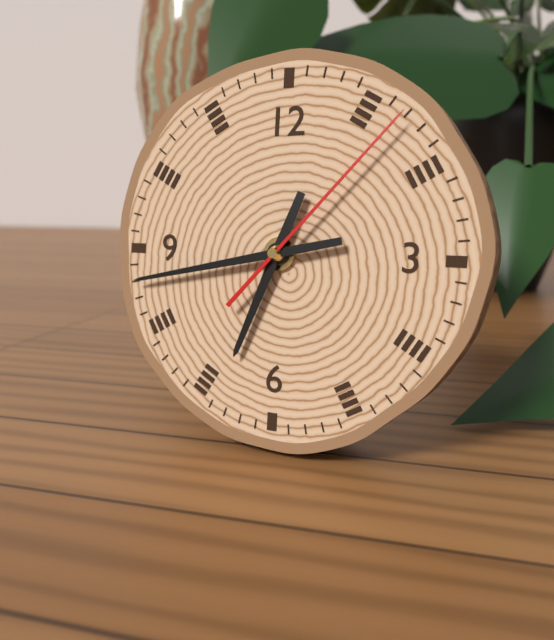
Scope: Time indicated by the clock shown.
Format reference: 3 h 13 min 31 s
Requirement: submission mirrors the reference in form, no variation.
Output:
6 h 43 min 07 s
